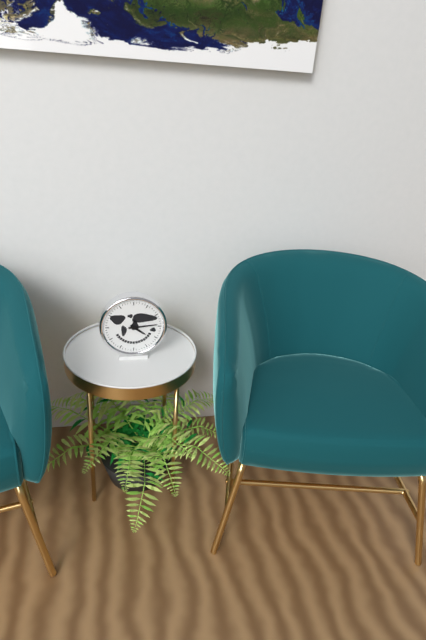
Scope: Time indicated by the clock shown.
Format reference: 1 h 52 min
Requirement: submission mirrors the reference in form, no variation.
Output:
4 h 14 min
